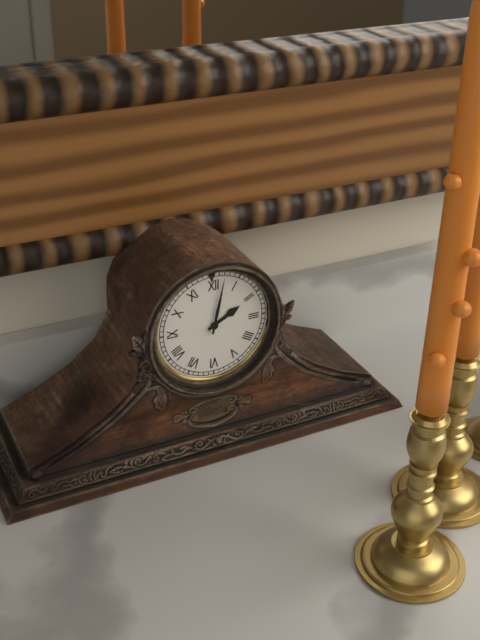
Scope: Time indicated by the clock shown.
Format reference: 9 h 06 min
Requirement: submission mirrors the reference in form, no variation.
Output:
2 h 02 min
